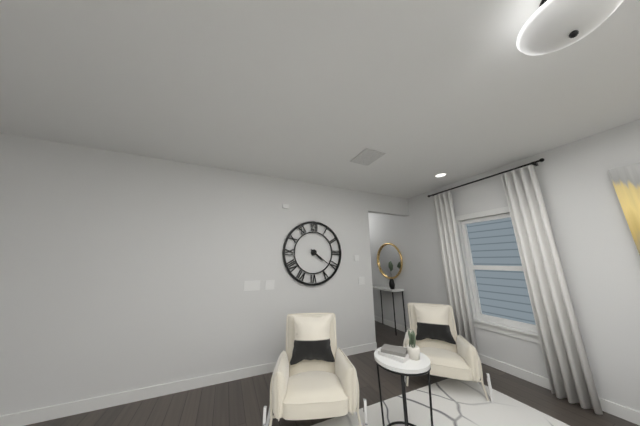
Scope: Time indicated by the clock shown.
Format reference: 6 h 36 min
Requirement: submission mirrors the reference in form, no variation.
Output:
4 h 21 min
